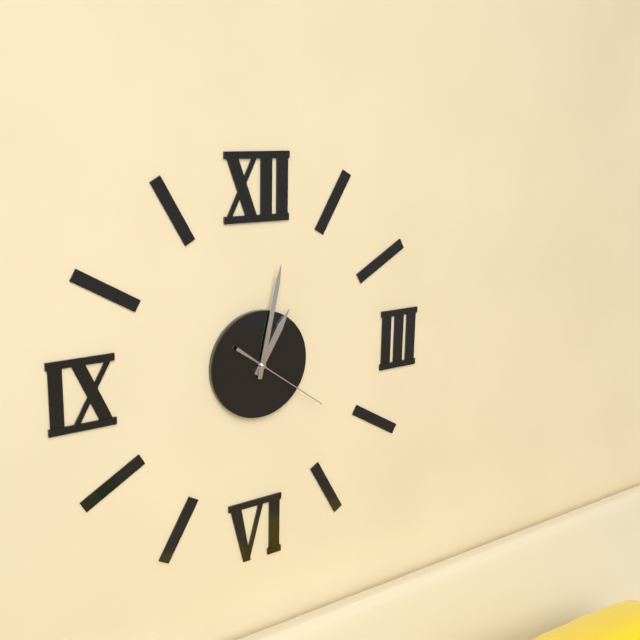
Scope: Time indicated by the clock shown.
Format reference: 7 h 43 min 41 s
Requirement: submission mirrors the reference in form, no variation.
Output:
1 h 02 min 21 s
